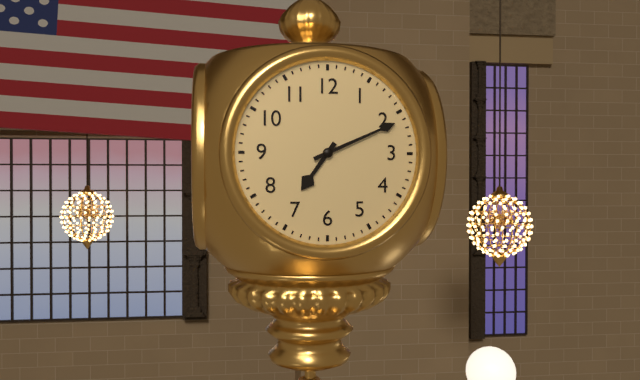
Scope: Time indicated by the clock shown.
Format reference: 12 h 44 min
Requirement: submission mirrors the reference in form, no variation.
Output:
7 h 11 min
